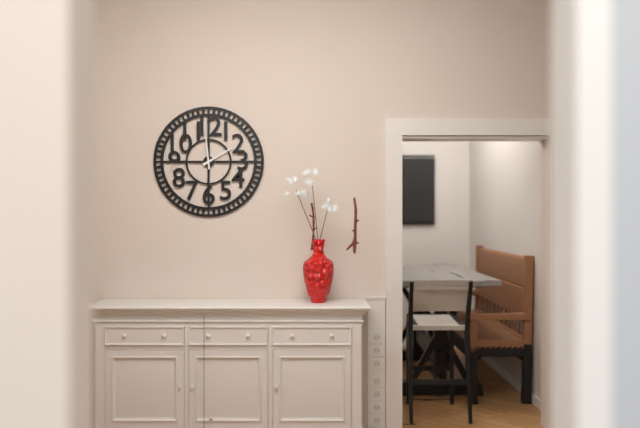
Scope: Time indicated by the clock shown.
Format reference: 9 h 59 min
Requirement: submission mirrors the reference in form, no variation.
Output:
1 h 59 min
